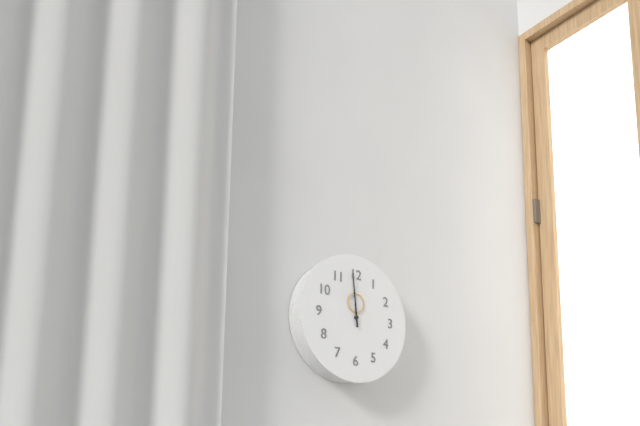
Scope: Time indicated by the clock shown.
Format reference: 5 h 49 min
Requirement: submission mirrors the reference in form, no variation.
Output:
11 h 59 min
